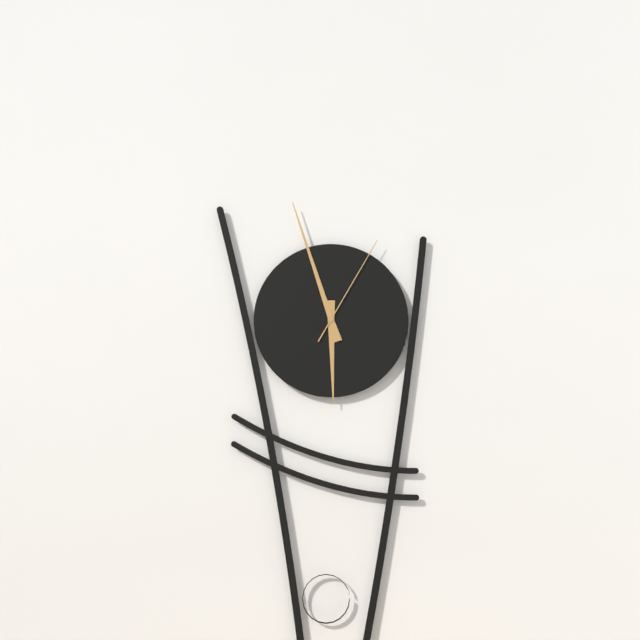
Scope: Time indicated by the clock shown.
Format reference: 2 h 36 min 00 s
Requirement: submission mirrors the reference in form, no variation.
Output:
5 h 57 min 05 s
